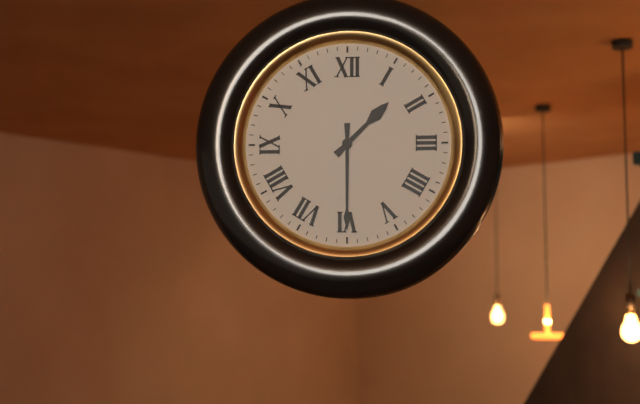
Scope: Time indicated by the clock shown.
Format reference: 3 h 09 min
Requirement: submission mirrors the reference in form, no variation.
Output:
1 h 30 min
